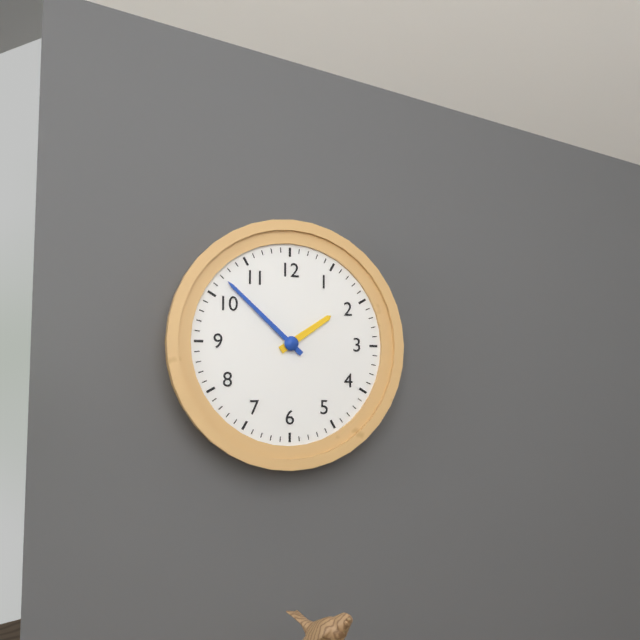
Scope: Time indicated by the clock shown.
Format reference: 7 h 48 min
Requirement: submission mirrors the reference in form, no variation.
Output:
1 h 52 min
